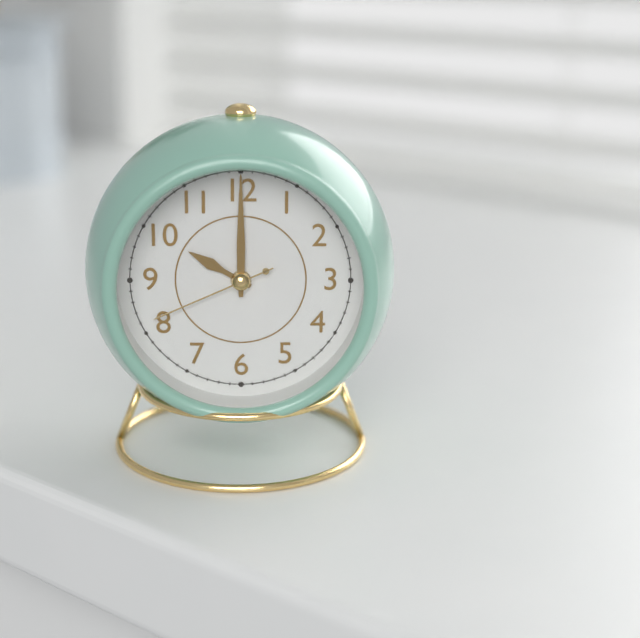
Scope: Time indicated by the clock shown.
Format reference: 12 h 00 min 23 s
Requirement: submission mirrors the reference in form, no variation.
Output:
10 h 00 min 41 s
